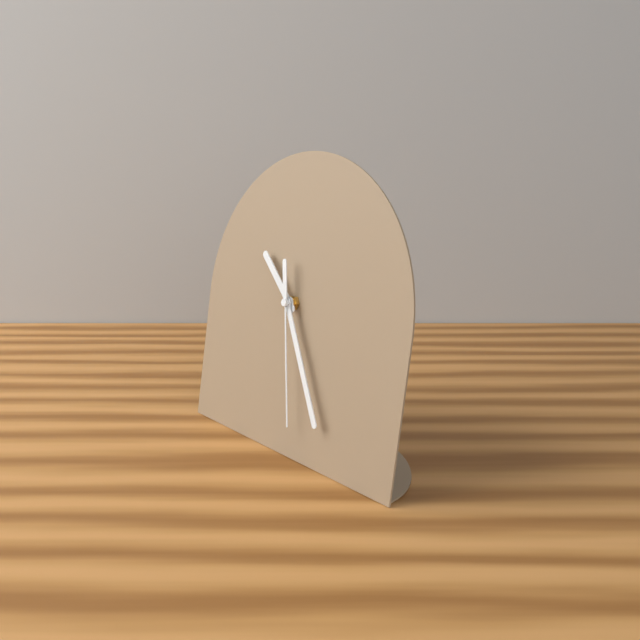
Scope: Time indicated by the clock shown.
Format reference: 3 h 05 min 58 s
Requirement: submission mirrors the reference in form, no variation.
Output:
10 h 25 min 28 s
